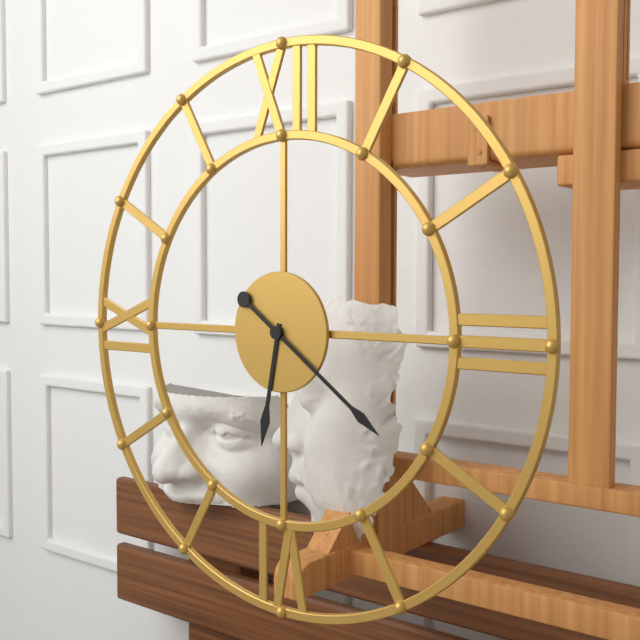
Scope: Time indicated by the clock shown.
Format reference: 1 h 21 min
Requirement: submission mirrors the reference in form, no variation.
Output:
6 h 21 min
